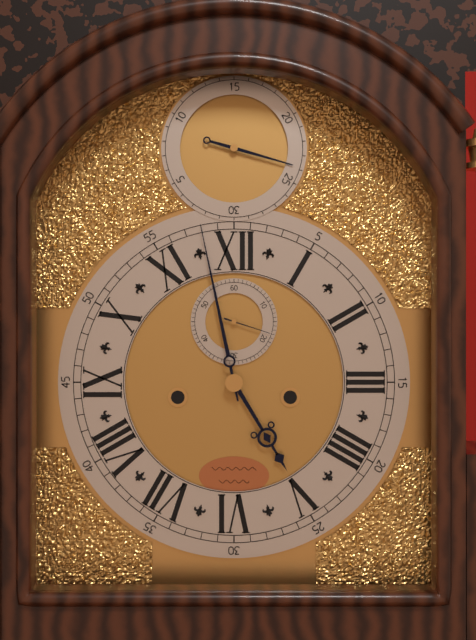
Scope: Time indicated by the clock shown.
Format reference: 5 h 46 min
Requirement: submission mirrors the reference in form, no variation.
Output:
4 h 58 min
